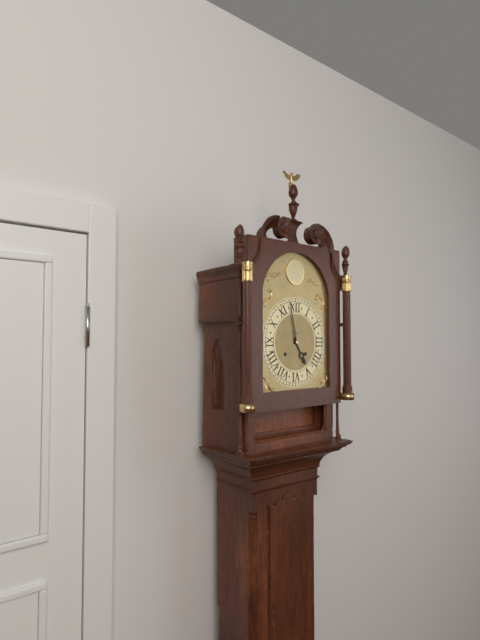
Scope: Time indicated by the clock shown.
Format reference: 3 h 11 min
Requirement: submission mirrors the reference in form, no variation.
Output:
4 h 58 min
